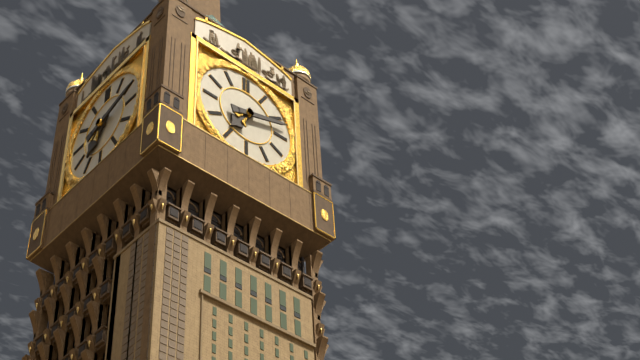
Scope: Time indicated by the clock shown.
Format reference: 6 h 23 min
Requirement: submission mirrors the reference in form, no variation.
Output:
7 h 12 min
